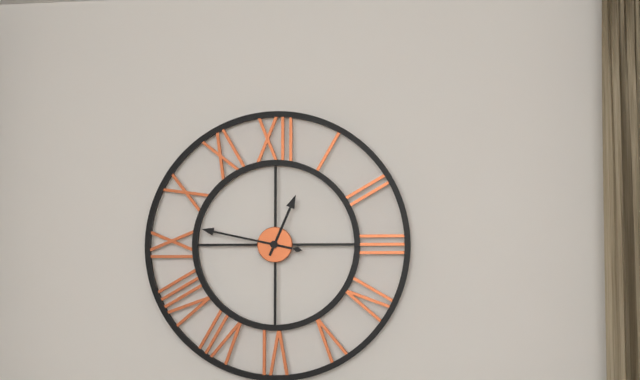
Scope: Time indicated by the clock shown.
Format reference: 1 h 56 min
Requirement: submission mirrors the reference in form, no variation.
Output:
12 h 47 min
